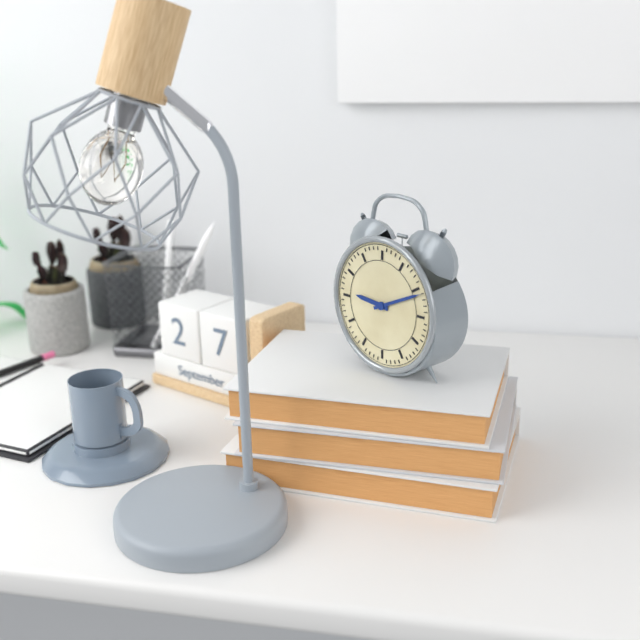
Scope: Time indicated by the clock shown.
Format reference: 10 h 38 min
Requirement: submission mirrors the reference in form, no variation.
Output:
9 h 11 min
